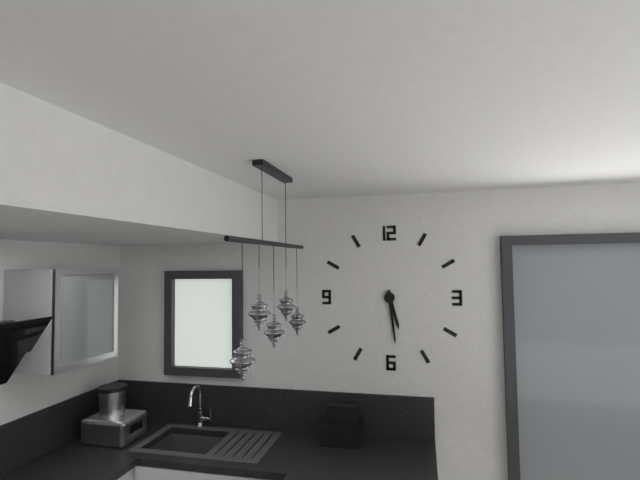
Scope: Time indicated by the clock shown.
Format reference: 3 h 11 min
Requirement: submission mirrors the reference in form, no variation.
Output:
5 h 29 min
